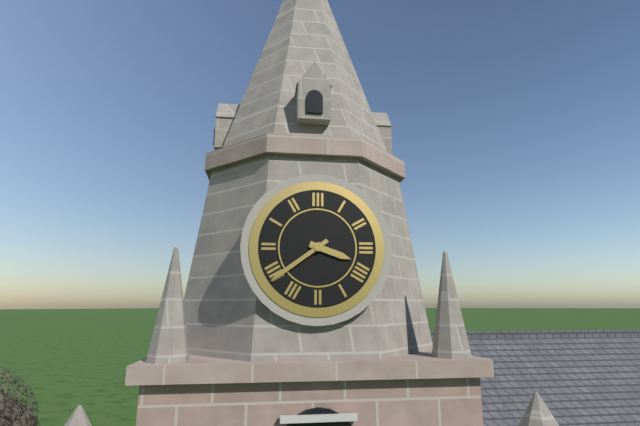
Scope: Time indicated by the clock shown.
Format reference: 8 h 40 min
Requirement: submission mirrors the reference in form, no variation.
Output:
3 h 39 min
